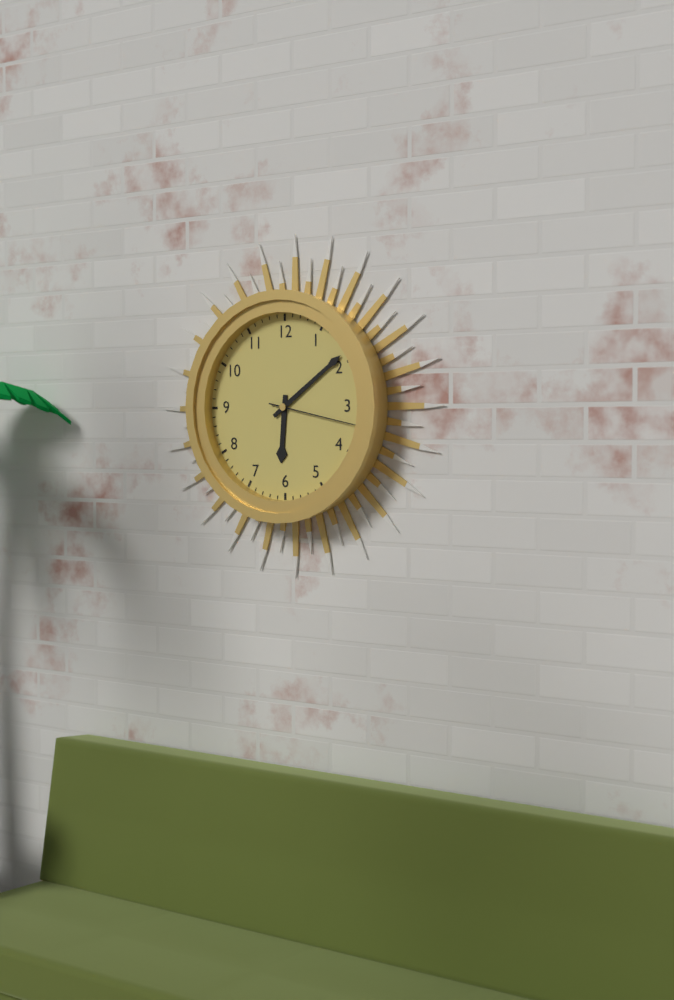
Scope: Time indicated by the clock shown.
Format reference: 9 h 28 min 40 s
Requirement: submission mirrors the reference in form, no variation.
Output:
6 h 09 min 17 s
